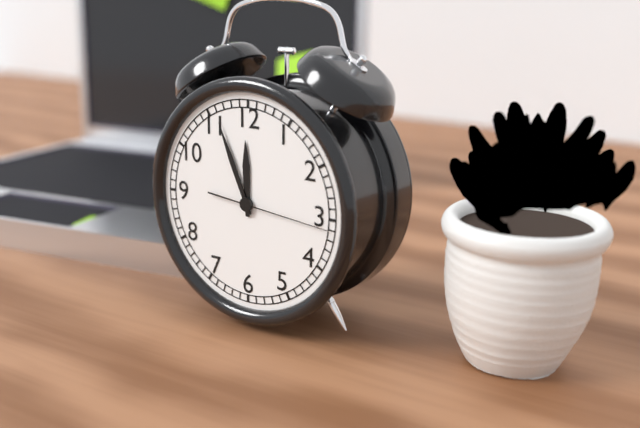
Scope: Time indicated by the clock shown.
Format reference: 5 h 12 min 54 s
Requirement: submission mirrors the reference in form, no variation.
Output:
11 h 56 min 16 s
